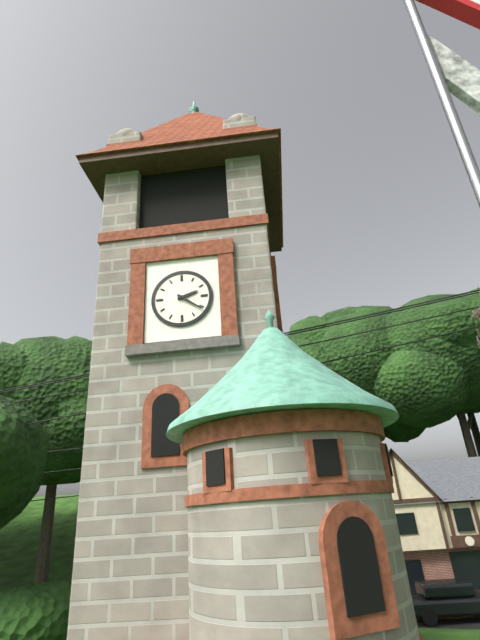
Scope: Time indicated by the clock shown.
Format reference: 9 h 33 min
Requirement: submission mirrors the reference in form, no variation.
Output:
2 h 21 min
